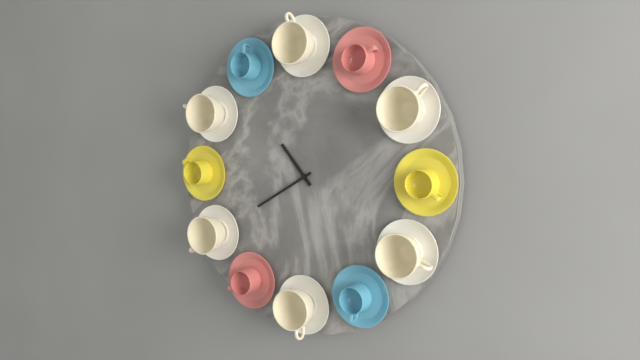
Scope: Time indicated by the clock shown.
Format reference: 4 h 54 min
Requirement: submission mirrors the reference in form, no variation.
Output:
10 h 40 min
